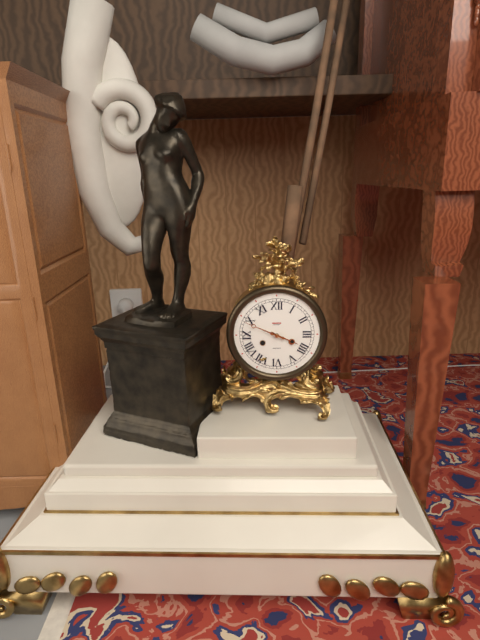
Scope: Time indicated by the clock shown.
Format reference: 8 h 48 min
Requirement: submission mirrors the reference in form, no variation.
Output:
3 h 49 min
